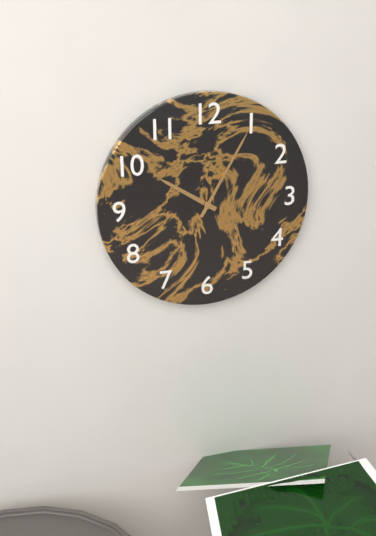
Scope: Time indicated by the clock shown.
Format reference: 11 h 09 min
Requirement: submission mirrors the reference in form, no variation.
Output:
10 h 05 min
